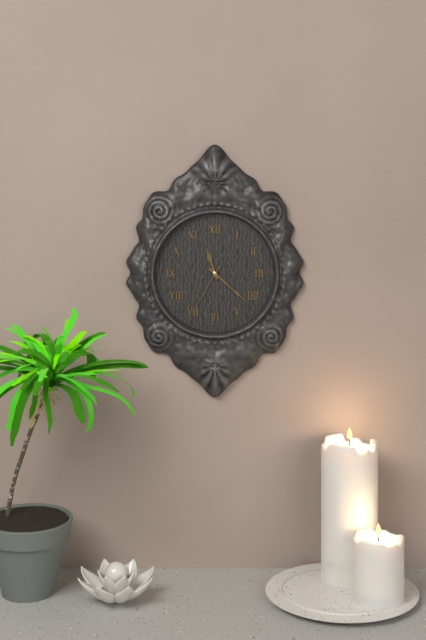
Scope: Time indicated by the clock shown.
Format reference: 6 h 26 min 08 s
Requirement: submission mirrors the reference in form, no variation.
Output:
11 h 22 min 35 s
